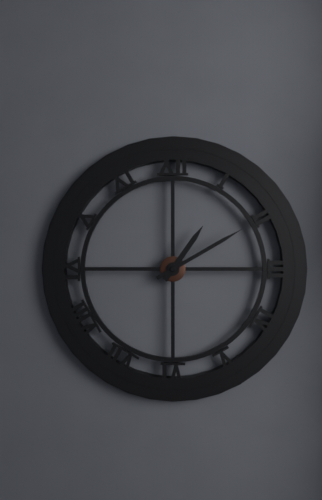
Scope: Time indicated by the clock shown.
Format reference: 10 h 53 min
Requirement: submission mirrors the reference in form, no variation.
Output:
1 h 10 min
